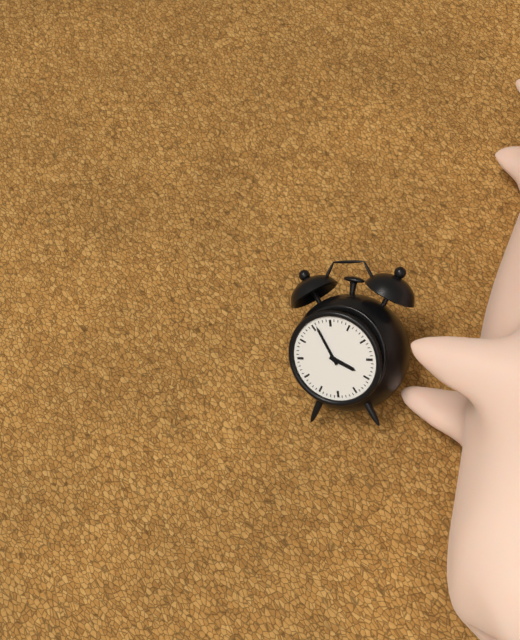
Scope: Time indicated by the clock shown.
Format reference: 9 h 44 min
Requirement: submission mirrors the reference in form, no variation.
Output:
3 h 56 min
